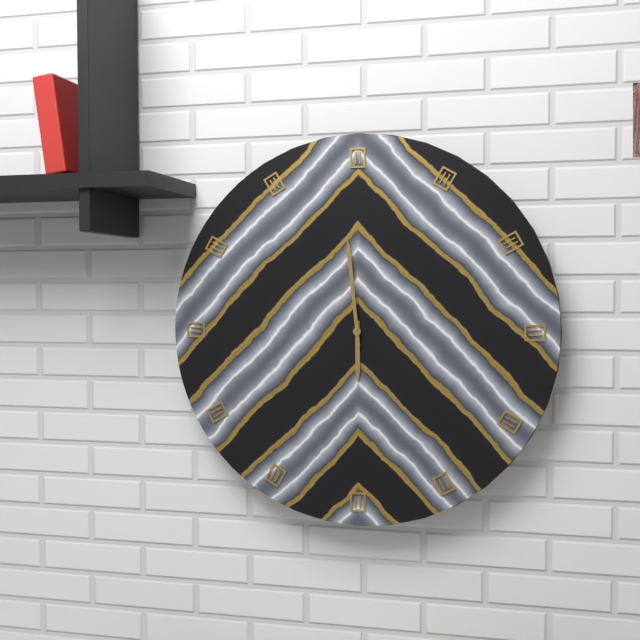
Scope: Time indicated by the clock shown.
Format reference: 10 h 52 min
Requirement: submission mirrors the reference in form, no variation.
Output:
5 h 59 min
